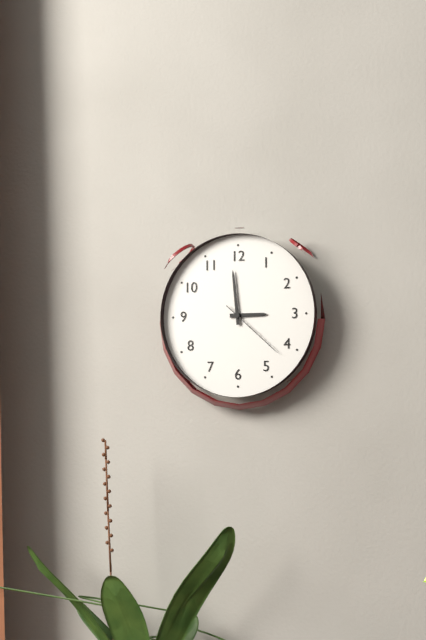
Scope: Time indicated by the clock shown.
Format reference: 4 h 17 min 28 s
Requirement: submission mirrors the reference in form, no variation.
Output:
2 h 59 min 22 s
